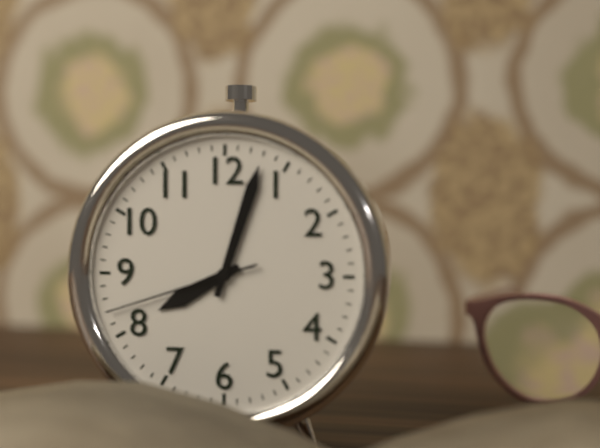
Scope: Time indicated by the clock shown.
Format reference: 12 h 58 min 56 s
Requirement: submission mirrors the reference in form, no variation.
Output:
8 h 03 min 42 s
